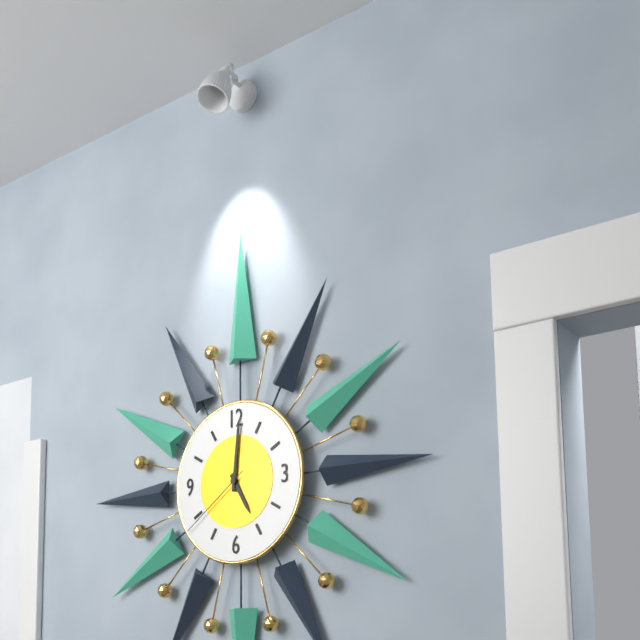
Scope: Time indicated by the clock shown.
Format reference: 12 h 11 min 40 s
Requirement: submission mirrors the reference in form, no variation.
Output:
5 h 01 min 39 s
